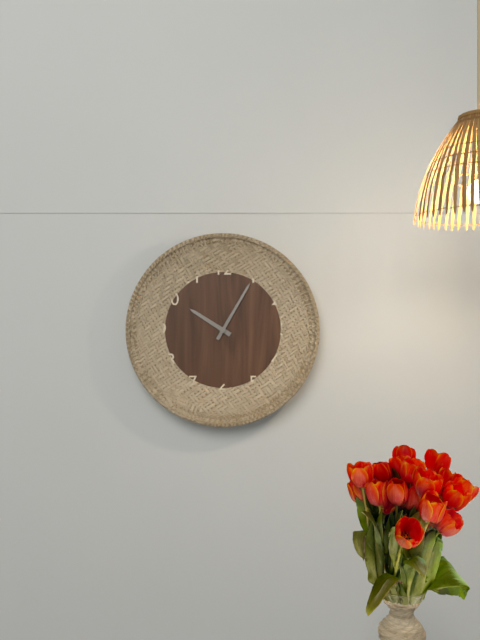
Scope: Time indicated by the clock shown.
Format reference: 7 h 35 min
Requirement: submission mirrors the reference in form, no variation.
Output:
10 h 05 min
